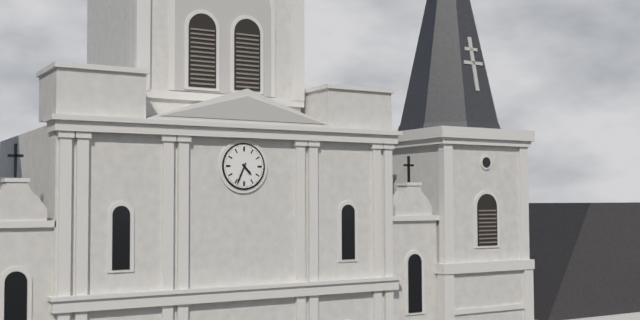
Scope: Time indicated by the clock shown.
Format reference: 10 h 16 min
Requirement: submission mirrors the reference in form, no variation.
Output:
4 h 34 min
